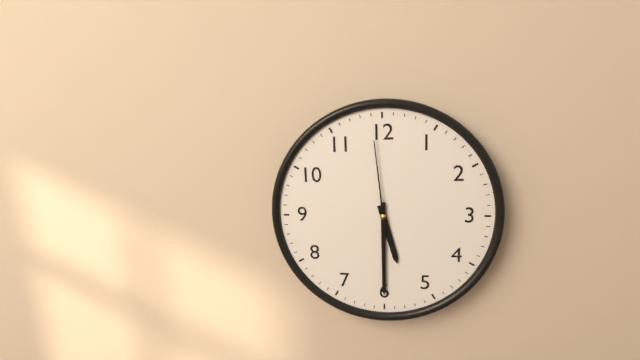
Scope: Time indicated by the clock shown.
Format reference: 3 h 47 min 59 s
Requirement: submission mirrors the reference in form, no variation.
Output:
5 h 30 min 59 s
